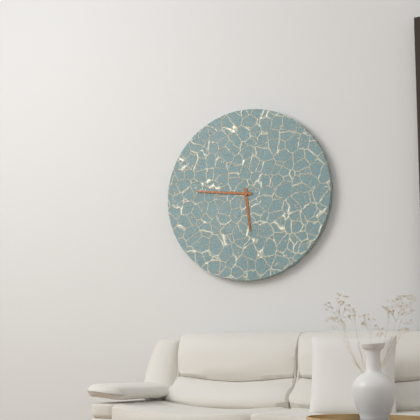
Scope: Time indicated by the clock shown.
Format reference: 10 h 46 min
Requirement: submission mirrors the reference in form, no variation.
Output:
5 h 46 min
